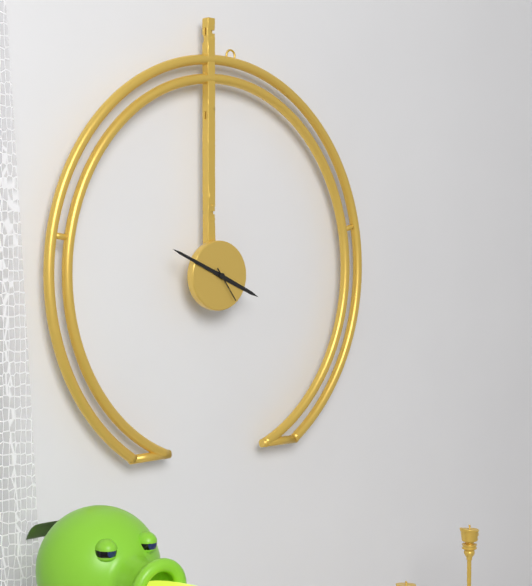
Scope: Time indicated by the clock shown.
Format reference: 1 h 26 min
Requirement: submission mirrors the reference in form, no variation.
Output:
3 h 49 min
